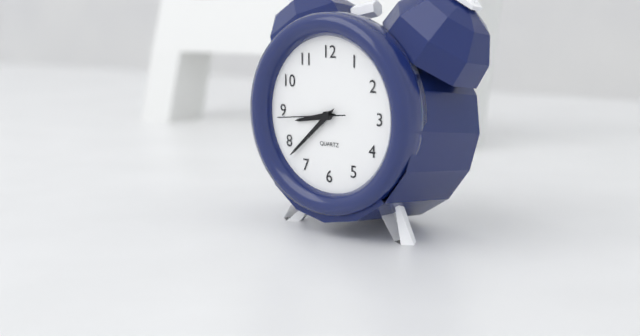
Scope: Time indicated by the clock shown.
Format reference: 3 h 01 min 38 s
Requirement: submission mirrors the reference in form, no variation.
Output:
8 h 38 min 44 s
